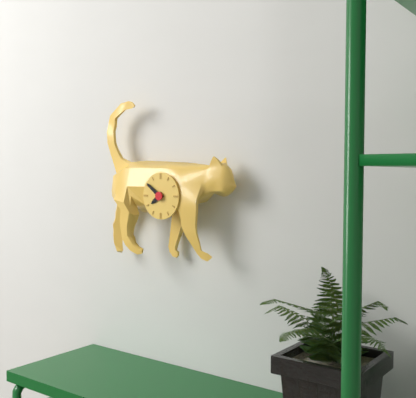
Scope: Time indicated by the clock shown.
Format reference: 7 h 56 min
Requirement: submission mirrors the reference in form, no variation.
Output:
7 h 51 min
